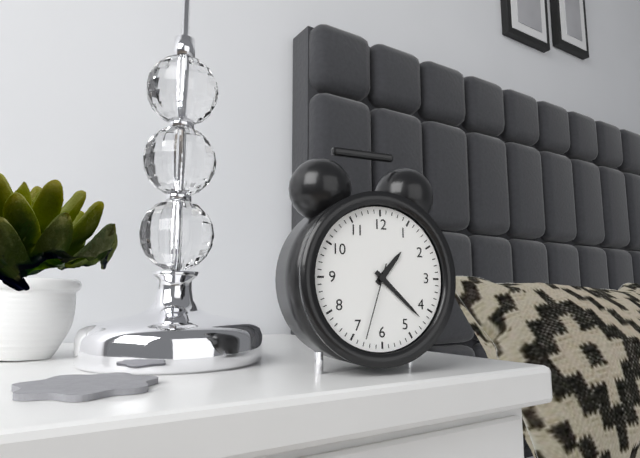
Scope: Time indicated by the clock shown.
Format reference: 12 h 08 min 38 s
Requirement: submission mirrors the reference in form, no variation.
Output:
1 h 22 min 33 s
